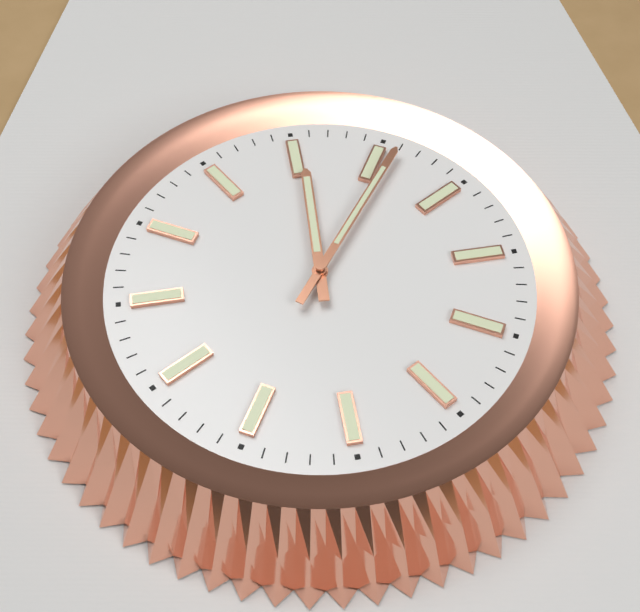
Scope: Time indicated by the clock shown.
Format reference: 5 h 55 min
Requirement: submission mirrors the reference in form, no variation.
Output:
12 h 06 min
